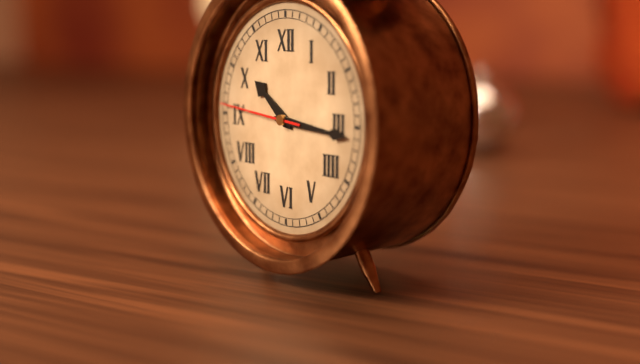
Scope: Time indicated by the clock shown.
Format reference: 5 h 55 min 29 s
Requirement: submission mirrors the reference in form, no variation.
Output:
10 h 16 min 46 s
